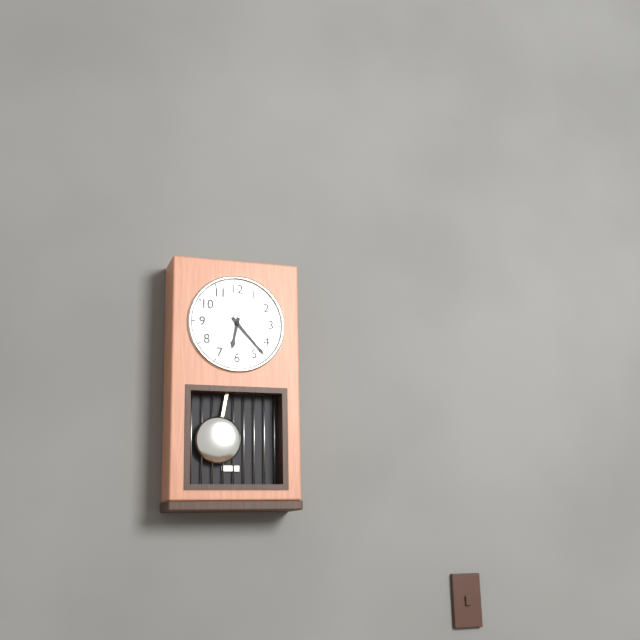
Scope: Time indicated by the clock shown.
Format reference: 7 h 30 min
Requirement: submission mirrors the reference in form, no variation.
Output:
6 h 23 min
